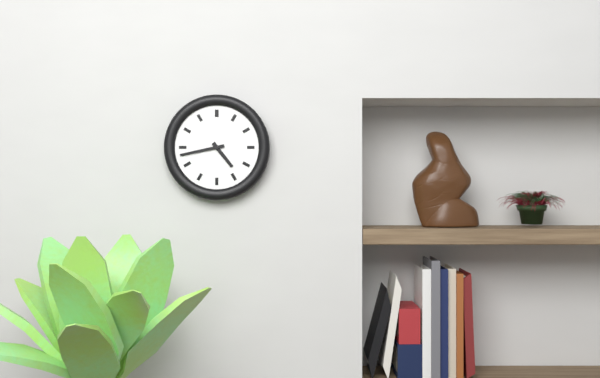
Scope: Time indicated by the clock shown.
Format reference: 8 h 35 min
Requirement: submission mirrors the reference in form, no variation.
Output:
4 h 43 min
